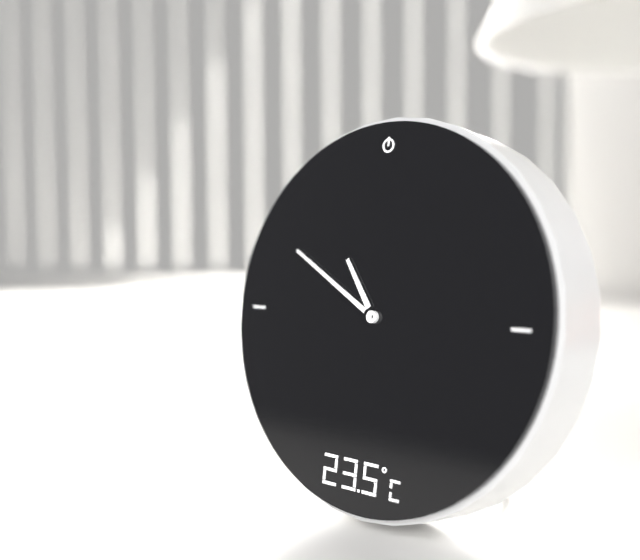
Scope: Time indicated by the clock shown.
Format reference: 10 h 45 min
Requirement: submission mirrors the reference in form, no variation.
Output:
10 h 50 min
